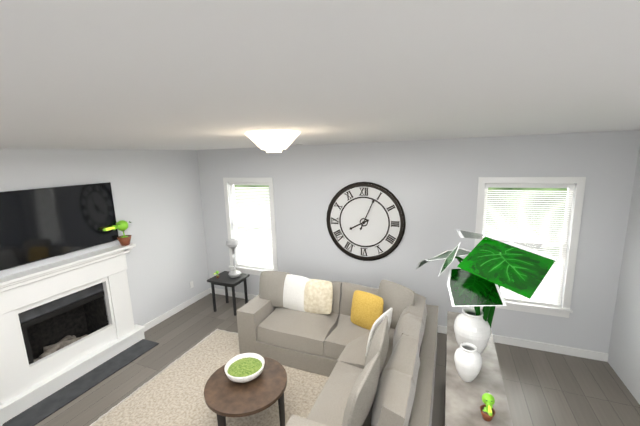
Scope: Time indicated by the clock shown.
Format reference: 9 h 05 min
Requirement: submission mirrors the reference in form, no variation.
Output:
8 h 04 min
